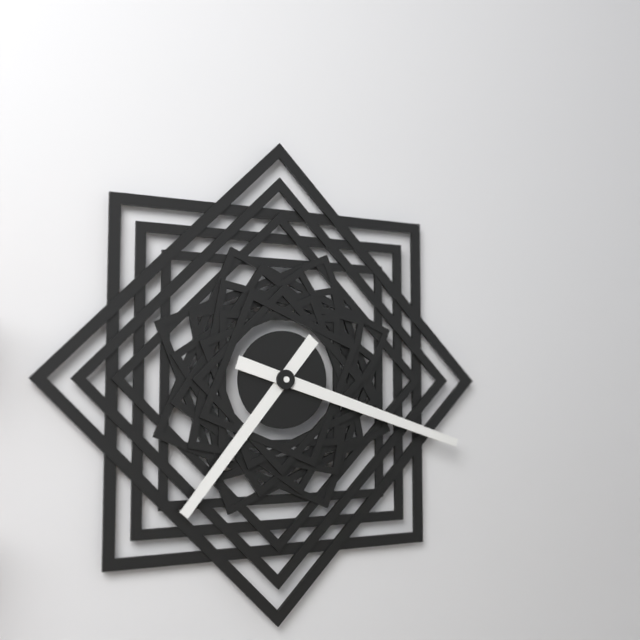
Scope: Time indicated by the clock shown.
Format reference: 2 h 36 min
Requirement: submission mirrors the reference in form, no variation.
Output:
7 h 18 min
